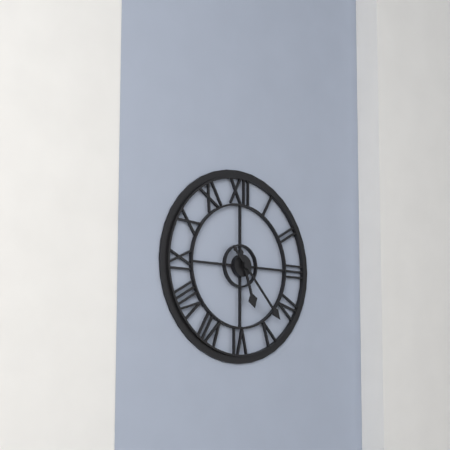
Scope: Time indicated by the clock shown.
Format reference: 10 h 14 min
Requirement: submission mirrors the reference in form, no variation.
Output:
5 h 23 min
